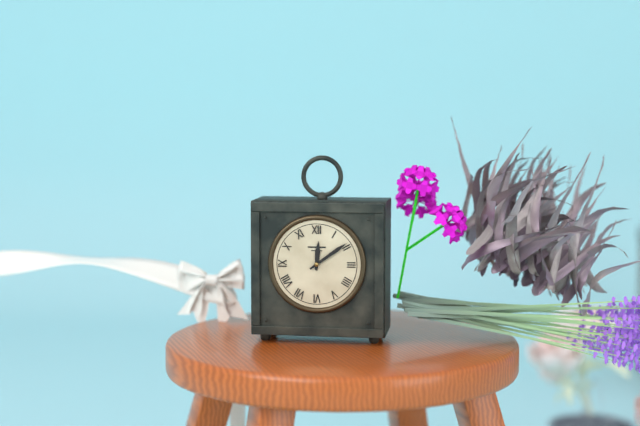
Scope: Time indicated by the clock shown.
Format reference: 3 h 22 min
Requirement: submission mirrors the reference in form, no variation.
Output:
12 h 09 min
